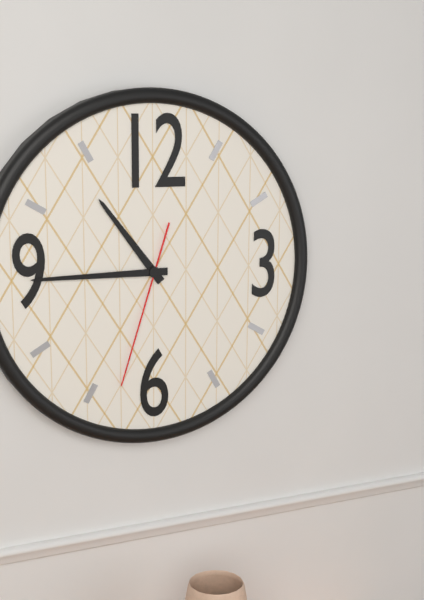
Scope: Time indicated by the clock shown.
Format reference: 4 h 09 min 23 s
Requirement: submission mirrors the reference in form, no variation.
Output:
10 h 45 min 33 s
